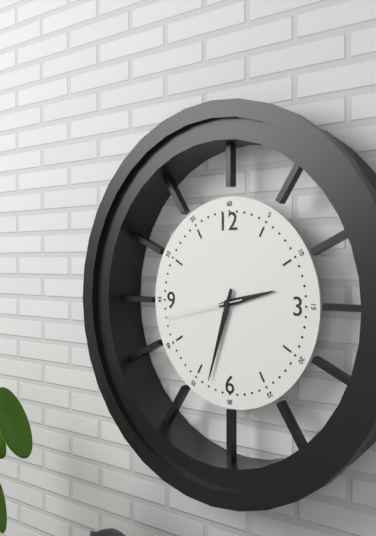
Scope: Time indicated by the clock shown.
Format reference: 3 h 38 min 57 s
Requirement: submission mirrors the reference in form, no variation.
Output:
2 h 33 min 43 s
